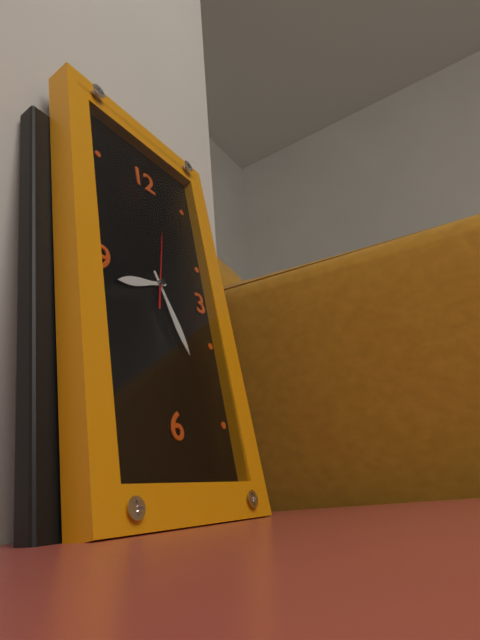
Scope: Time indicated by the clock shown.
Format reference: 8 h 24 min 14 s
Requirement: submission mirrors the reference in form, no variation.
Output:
8 h 26 min 02 s
